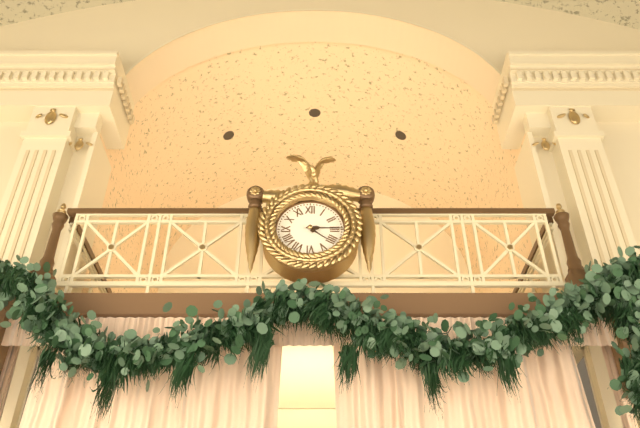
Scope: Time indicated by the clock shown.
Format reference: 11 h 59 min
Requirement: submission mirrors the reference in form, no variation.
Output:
4 h 15 min
